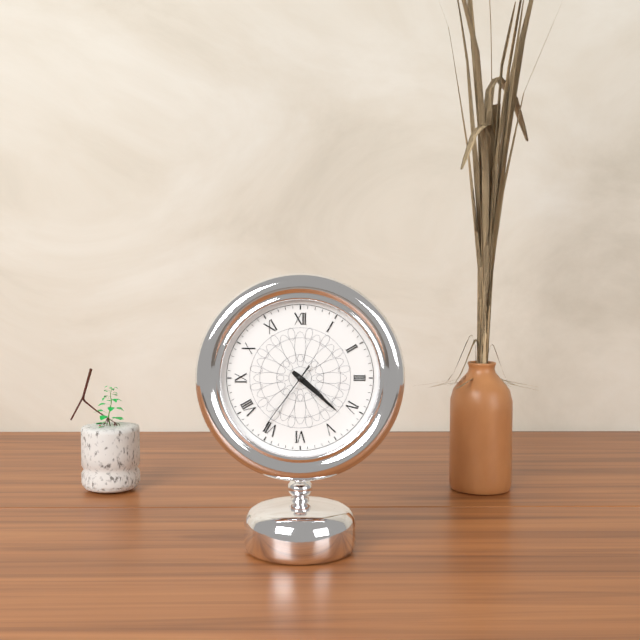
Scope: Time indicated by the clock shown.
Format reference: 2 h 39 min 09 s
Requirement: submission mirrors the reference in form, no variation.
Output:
4 h 22 min 36 s
